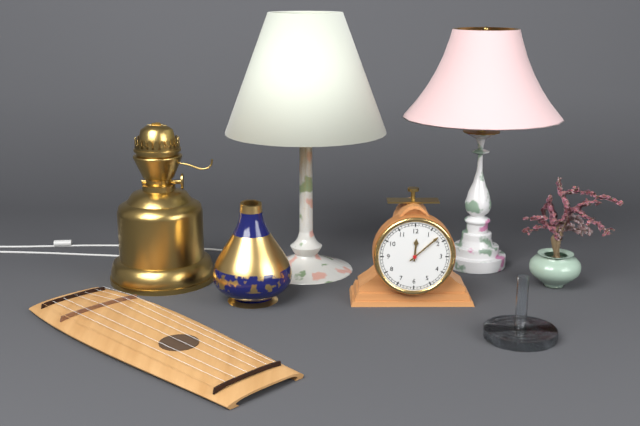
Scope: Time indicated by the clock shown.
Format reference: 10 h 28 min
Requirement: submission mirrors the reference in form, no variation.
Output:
12 h 08 min
